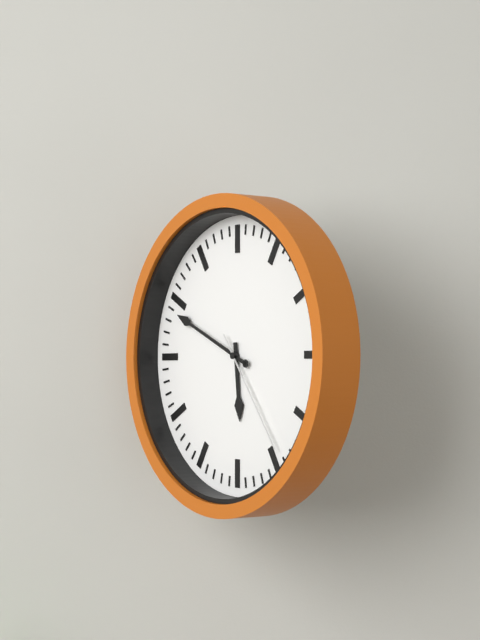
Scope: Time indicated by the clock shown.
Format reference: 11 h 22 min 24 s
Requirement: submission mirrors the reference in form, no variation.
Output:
5 h 49 min 24 s
